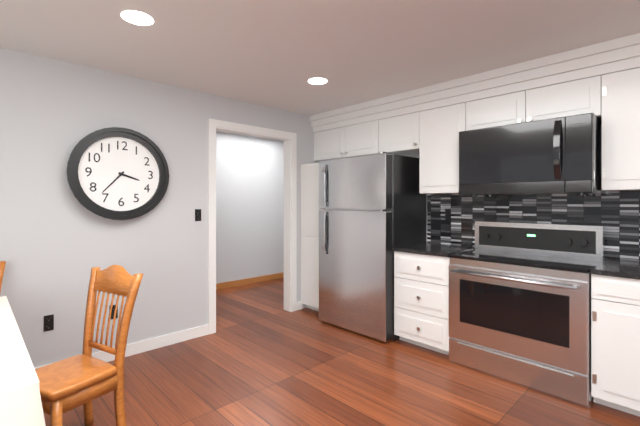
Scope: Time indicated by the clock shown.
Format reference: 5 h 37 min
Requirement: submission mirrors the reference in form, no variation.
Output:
3 h 37 min
